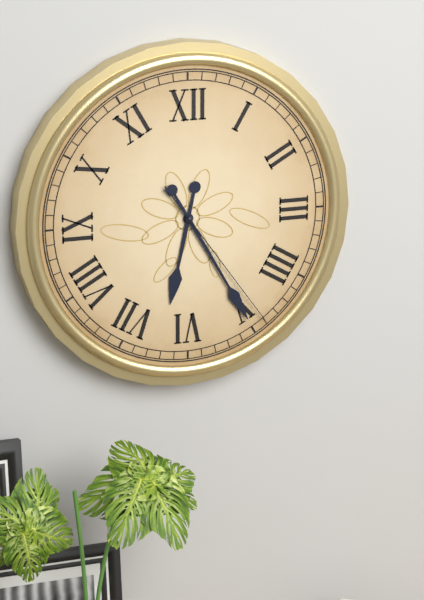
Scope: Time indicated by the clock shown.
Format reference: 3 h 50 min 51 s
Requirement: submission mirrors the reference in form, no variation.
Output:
6 h 25 min 24 s
